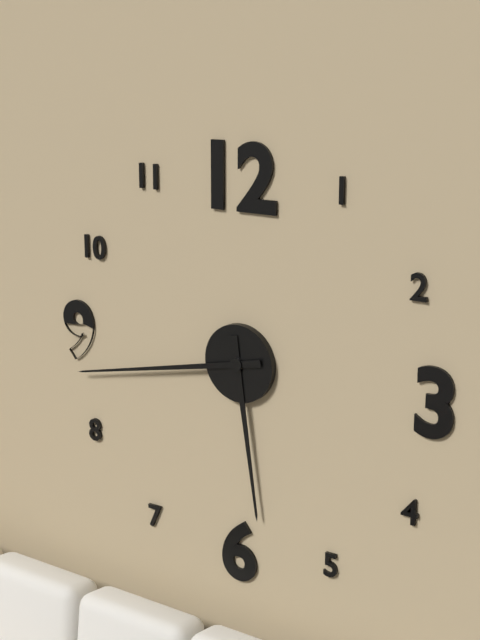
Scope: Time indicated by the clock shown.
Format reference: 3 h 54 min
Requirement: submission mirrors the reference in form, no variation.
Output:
5 h 43 min
